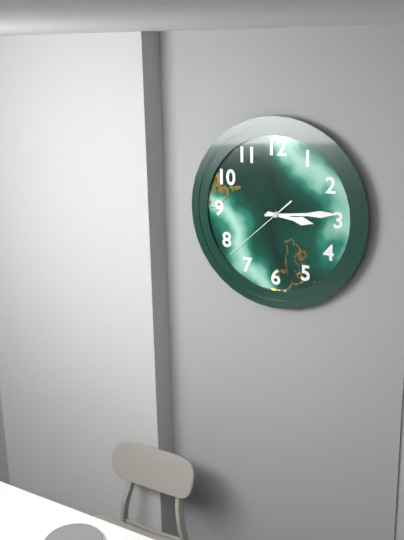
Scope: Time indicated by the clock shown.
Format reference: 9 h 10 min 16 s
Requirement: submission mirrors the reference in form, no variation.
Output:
3 h 14 min 38 s
